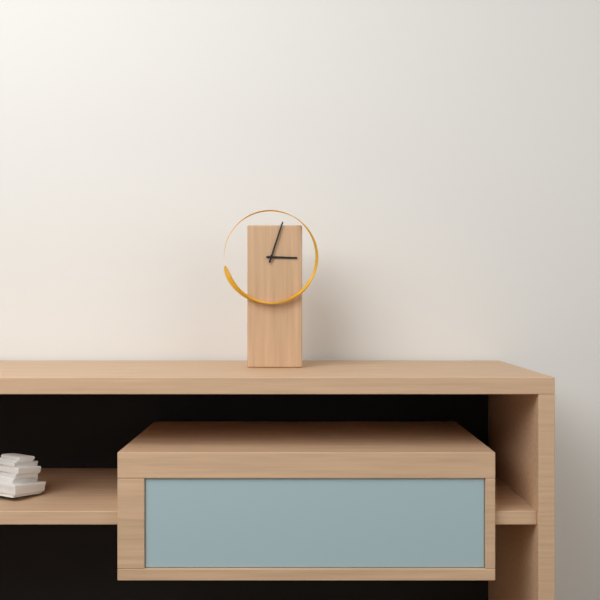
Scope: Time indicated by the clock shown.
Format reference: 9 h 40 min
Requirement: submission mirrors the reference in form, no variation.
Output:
3 h 03 min
